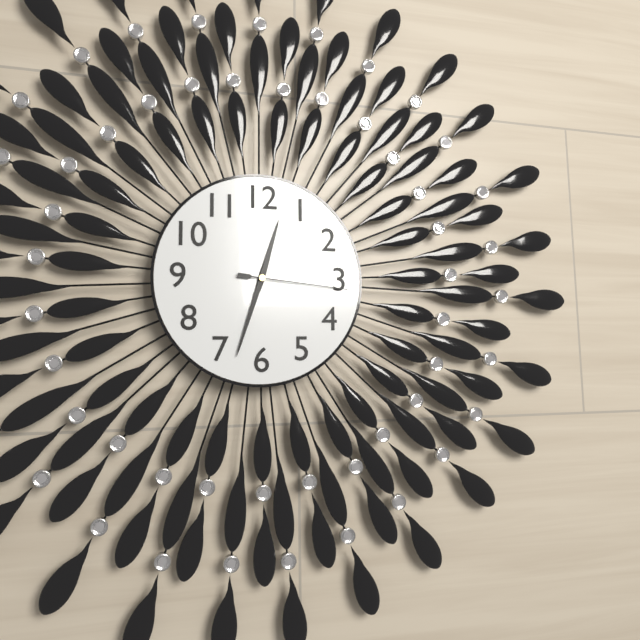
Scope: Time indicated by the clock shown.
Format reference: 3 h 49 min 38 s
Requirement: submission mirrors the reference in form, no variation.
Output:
12 h 33 min 16 s
